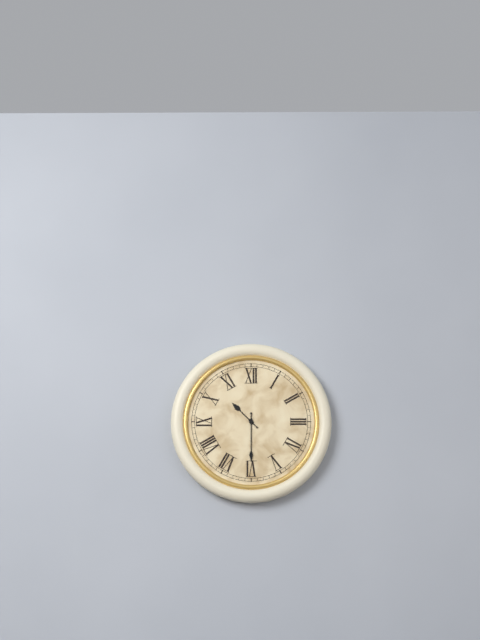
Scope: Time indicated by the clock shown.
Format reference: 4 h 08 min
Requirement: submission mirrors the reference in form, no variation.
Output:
10 h 30 min
